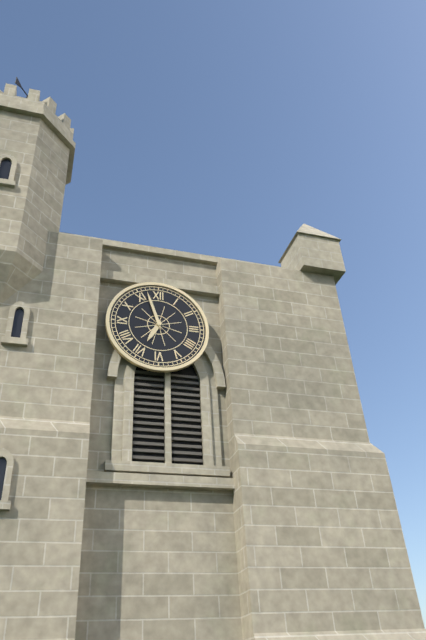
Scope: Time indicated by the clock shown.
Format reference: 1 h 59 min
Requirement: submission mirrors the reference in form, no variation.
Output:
6 h 57 min
